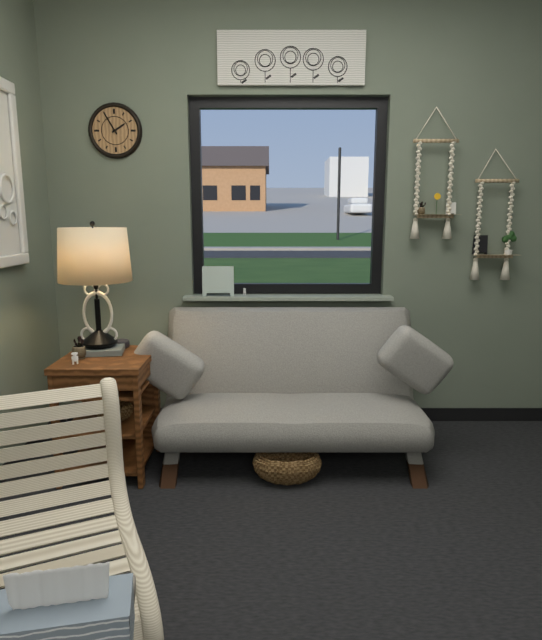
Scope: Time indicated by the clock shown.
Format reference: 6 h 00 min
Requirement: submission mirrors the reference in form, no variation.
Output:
1 h 55 min
